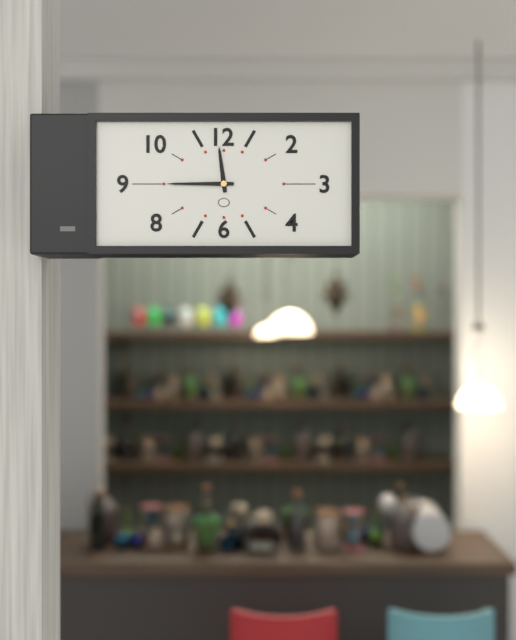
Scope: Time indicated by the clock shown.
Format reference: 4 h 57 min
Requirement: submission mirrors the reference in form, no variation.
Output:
11 h 45 min
